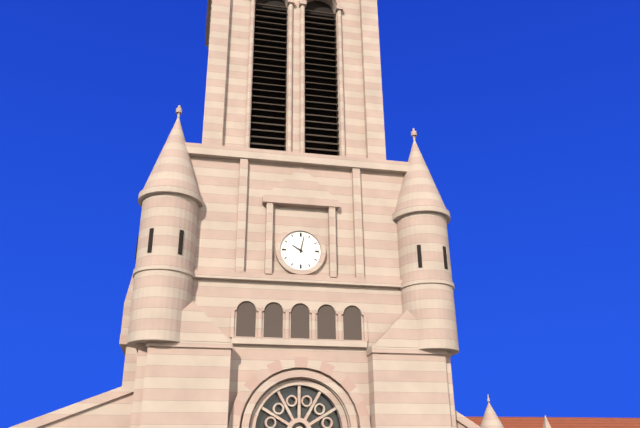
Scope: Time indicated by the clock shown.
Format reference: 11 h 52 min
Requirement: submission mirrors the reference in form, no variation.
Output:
10 h 02 min
